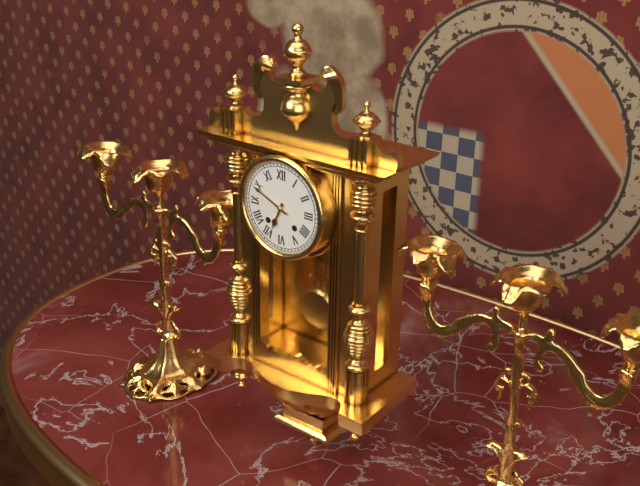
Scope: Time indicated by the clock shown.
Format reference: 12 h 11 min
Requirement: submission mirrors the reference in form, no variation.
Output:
6 h 49 min
